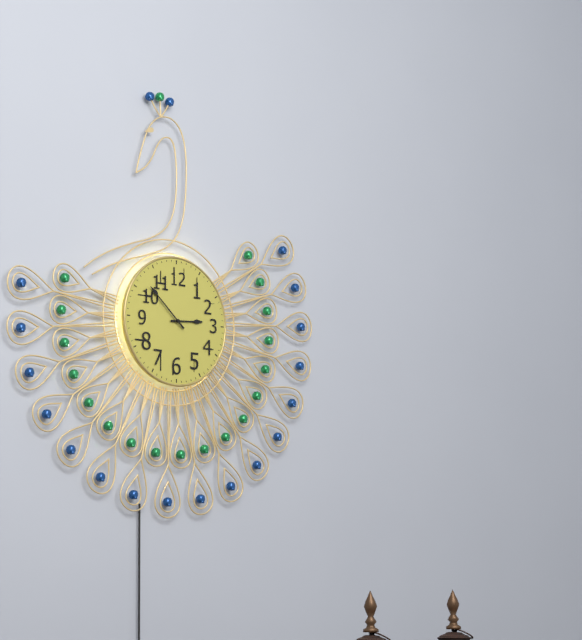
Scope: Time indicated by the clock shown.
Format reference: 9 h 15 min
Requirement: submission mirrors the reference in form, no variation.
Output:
2 h 52 min
